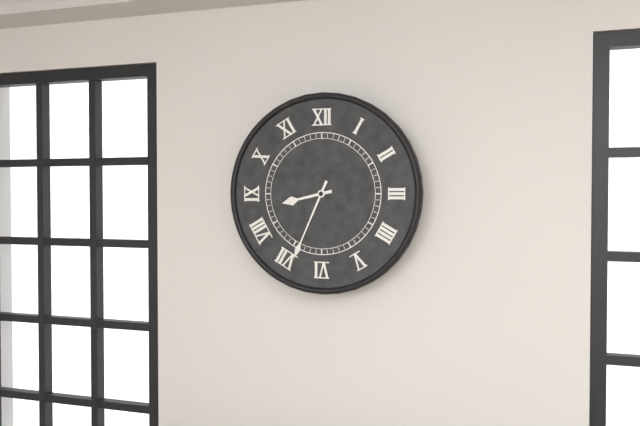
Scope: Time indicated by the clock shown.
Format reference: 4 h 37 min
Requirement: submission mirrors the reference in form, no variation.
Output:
8 h 34 min
